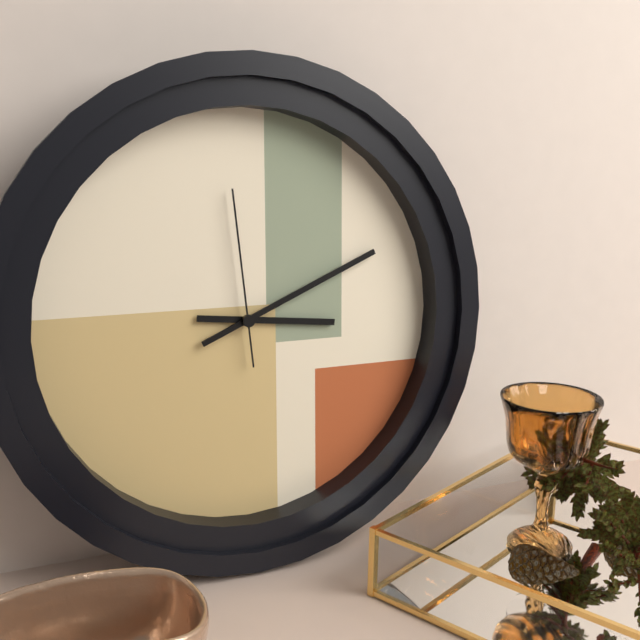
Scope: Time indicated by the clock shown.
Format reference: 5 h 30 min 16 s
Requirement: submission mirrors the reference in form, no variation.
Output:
3 h 11 min 59 s
